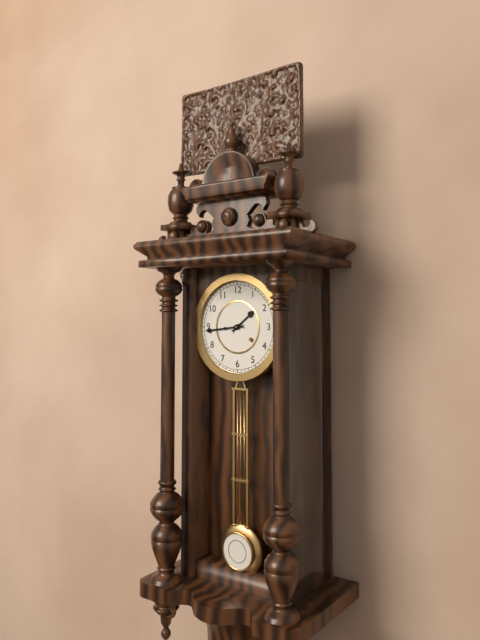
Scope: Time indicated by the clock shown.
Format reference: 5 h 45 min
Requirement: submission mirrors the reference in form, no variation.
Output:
1 h 44 min
